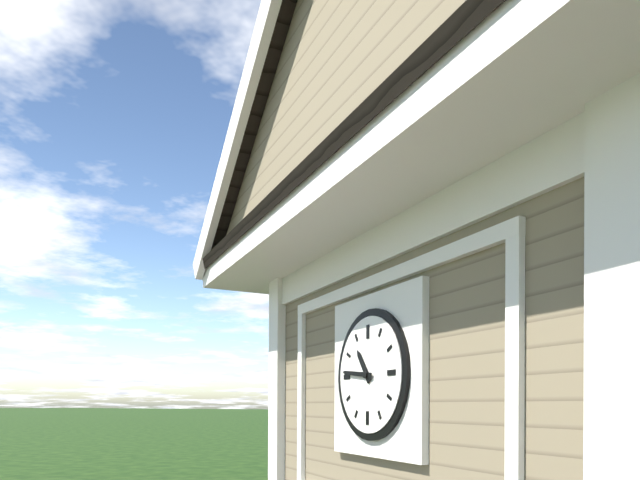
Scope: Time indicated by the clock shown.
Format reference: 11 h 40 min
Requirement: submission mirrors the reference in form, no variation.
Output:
10 h 46 min
